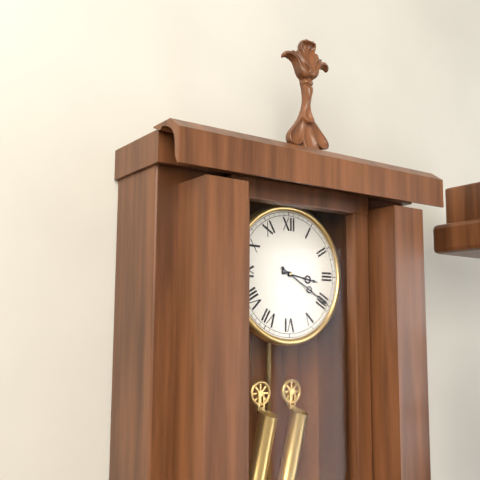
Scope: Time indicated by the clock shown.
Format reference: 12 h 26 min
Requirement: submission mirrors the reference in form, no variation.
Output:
3 h 20 min
